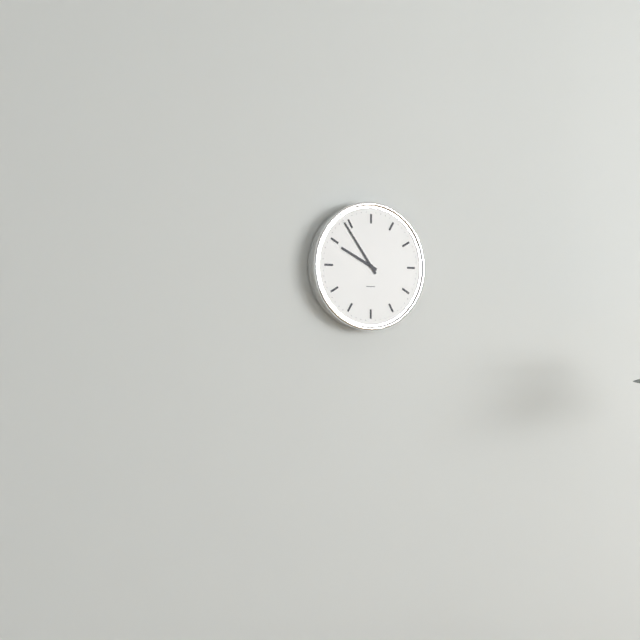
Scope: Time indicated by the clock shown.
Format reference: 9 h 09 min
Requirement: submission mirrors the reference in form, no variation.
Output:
9 h 54 min
